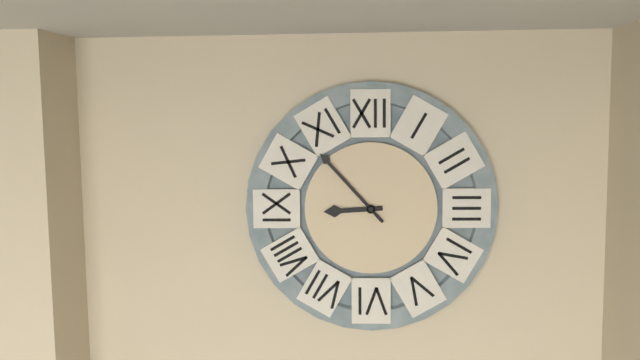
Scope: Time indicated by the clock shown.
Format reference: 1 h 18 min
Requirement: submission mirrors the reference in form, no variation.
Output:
8 h 53 min
